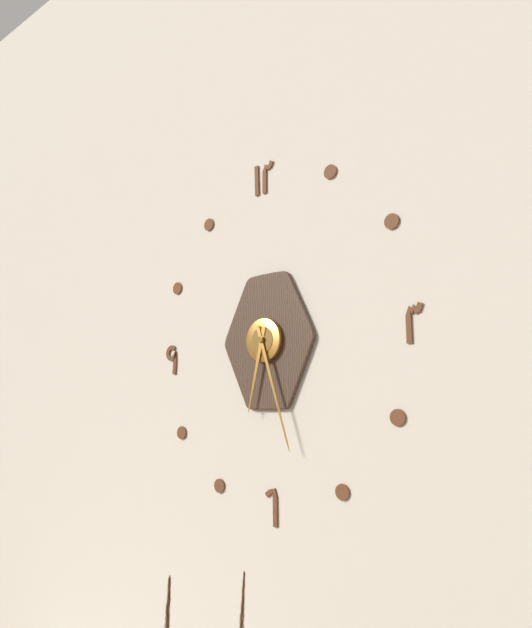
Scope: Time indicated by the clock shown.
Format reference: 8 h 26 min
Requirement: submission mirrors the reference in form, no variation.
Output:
6 h 27 min
